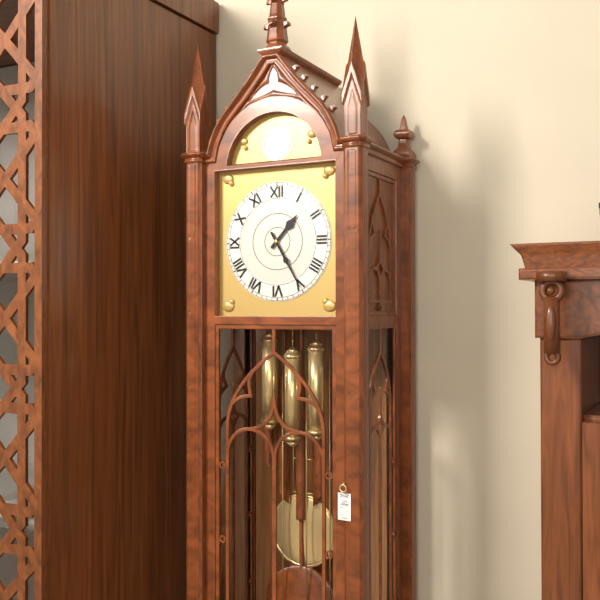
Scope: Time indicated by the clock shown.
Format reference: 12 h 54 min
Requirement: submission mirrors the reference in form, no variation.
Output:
1 h 25 min
